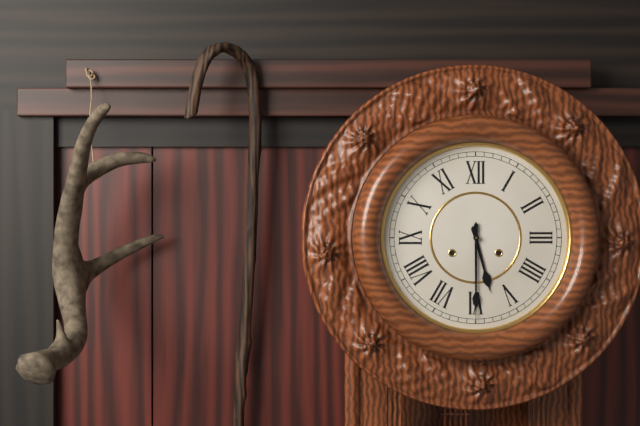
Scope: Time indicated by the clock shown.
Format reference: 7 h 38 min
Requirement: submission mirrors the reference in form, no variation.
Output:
5 h 30 min
